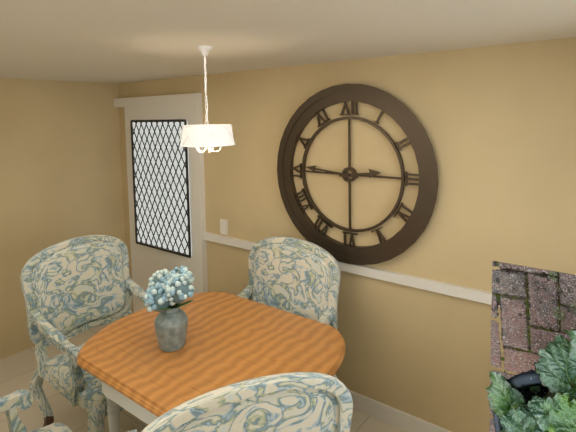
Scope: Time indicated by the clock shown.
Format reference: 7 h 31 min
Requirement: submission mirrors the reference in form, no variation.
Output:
2 h 46 min
